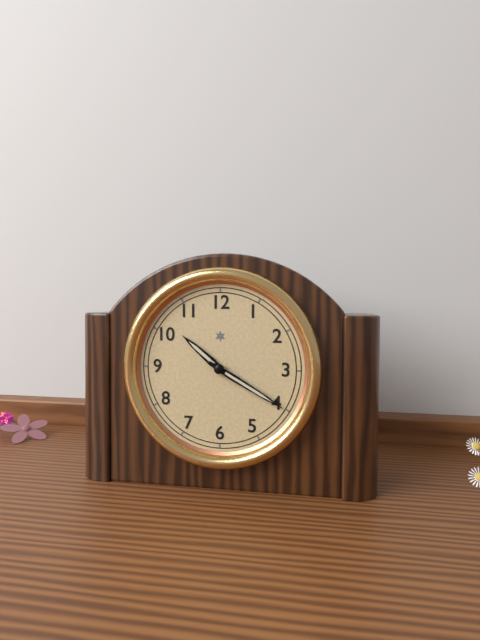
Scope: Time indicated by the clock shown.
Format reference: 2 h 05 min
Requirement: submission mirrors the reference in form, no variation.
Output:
10 h 20 min
